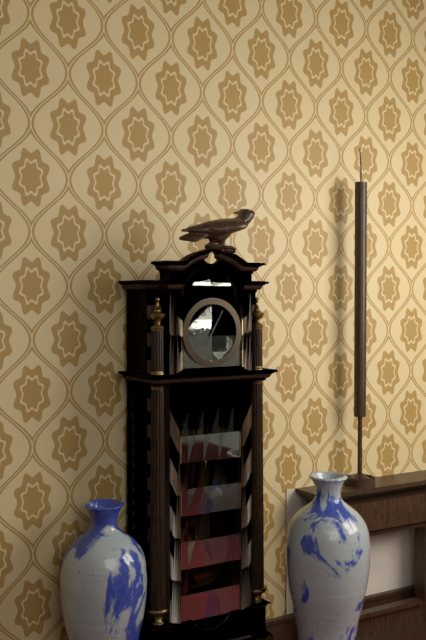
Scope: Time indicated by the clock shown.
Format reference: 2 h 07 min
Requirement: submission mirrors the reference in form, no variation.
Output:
7 h 05 min
